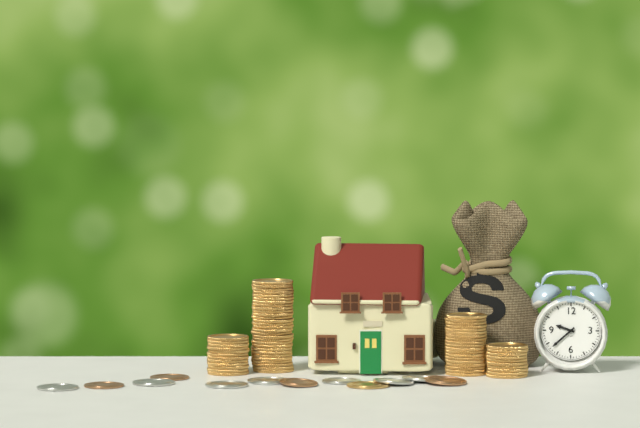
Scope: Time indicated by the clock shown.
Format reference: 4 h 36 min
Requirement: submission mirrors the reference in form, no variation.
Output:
9 h 38 min
